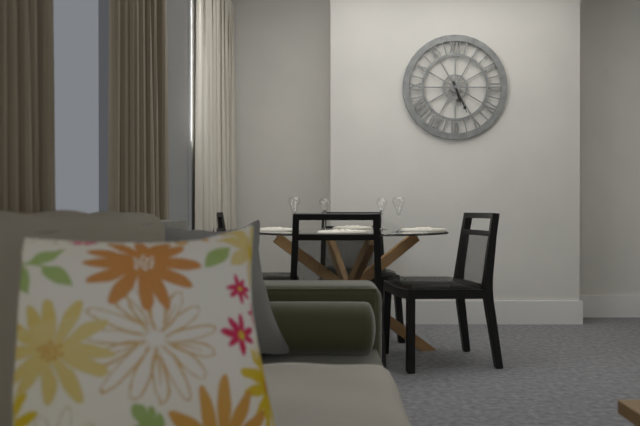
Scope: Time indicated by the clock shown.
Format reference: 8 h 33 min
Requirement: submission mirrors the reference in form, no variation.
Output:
5 h 26 min
